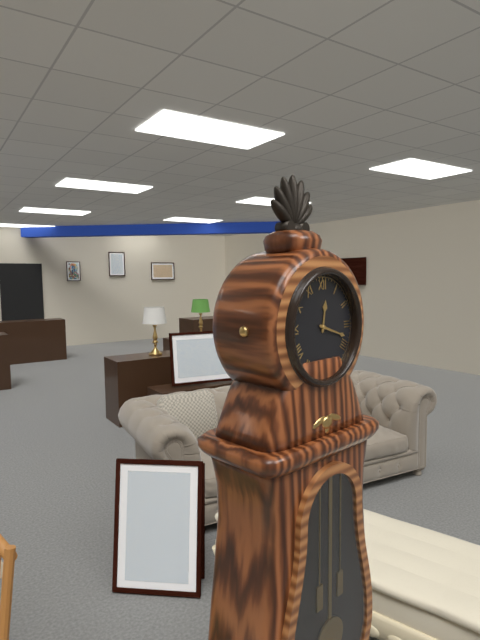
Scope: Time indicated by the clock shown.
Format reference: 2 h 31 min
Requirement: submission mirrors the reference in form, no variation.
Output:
12 h 18 min
